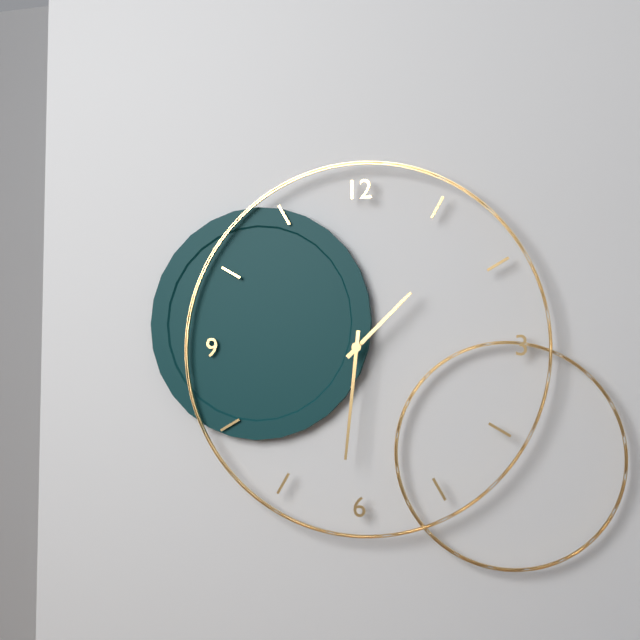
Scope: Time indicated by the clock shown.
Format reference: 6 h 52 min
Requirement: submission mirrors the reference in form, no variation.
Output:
1 h 31 min
